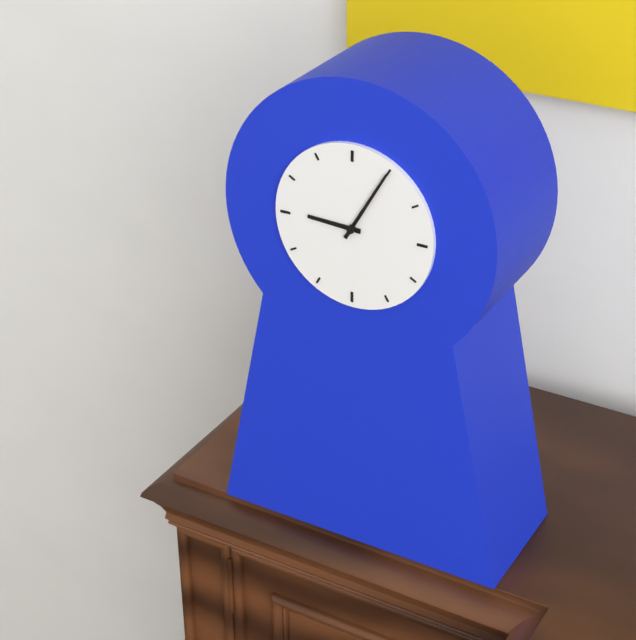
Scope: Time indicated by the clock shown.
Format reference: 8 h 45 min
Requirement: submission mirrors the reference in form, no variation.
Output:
9 h 05 min
